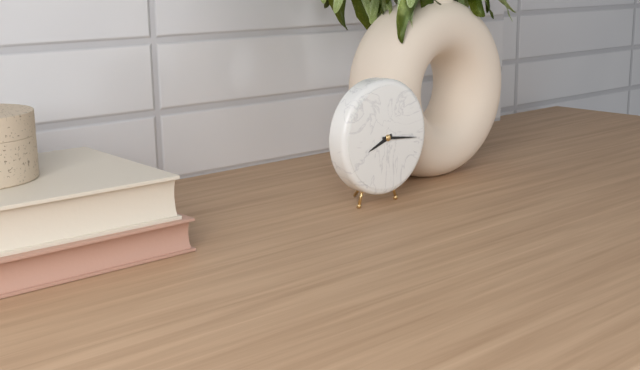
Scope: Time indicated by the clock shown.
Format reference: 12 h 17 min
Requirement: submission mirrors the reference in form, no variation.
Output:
8 h 16 min
